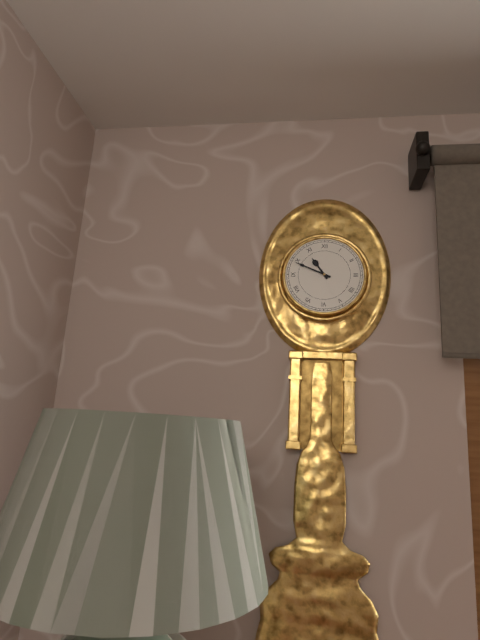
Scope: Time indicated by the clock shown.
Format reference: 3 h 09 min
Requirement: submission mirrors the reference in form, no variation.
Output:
10 h 49 min
